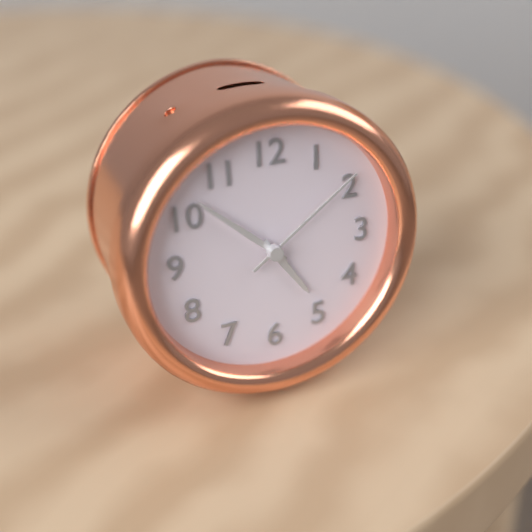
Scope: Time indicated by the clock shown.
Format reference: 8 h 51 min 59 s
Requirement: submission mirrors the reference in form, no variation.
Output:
4 h 52 min 09 s
